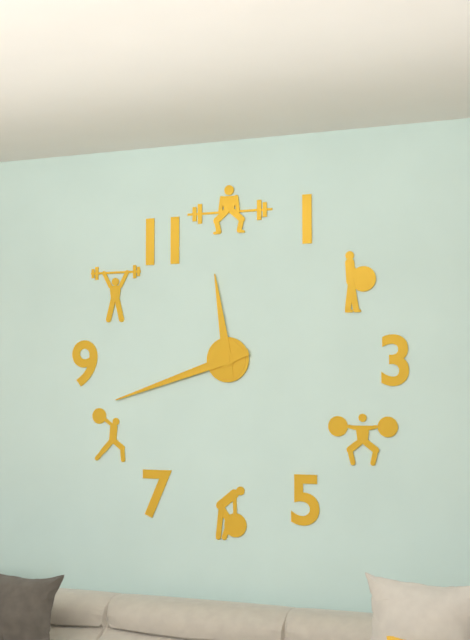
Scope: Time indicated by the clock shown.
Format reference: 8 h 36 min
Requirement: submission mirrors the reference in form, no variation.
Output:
11 h 42 min
